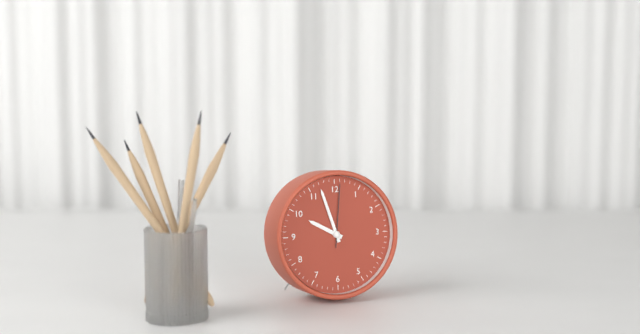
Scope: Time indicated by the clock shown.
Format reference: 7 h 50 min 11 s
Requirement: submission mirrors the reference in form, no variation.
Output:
9 h 57 min 01 s
